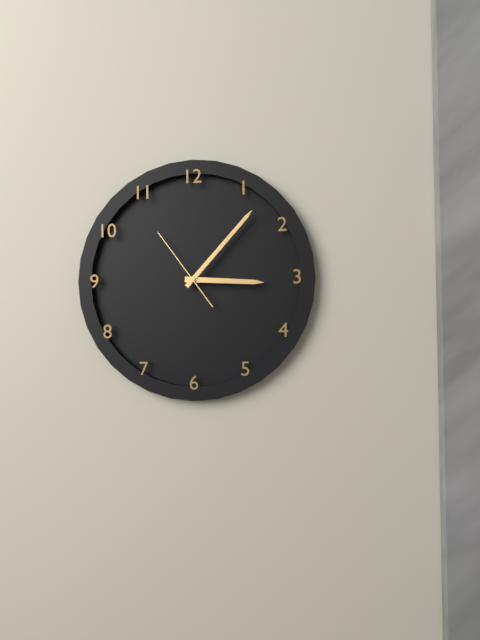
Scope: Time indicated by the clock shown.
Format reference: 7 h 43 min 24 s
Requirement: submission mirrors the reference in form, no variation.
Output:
3 h 07 min 54 s
